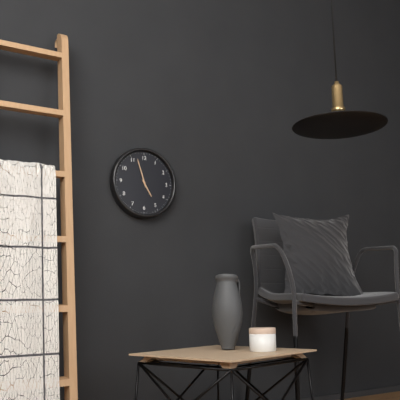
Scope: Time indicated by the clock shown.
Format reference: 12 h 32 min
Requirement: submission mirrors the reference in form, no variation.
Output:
4 h 57 min
